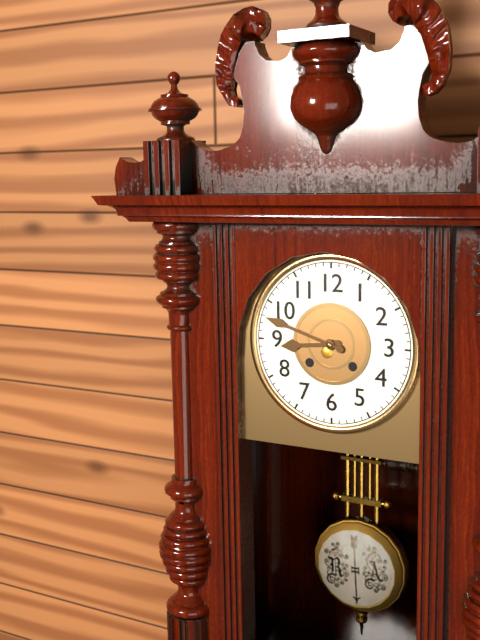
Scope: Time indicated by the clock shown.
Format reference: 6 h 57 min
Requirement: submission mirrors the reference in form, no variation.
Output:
8 h 48 min
